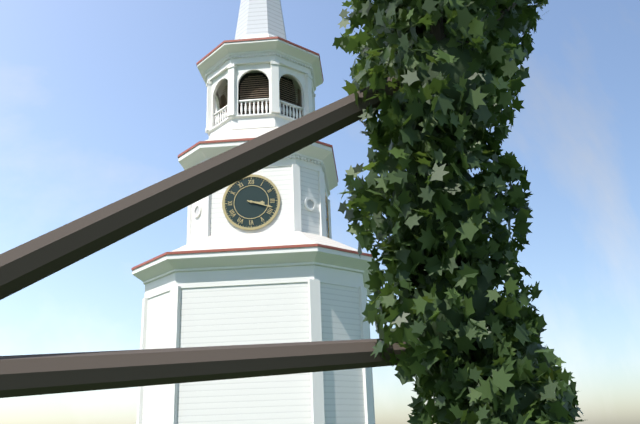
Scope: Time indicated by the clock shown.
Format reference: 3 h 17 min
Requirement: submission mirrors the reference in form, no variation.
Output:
3 h 18 min
